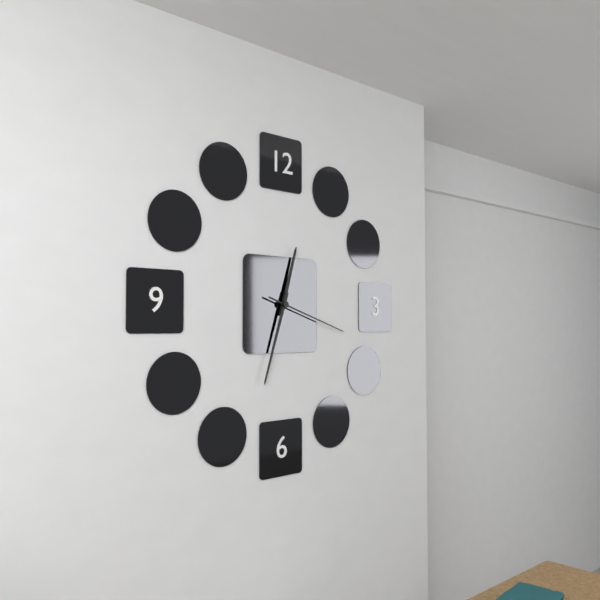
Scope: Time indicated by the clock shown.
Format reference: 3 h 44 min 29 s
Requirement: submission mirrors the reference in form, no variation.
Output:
12 h 33 min 18 s
